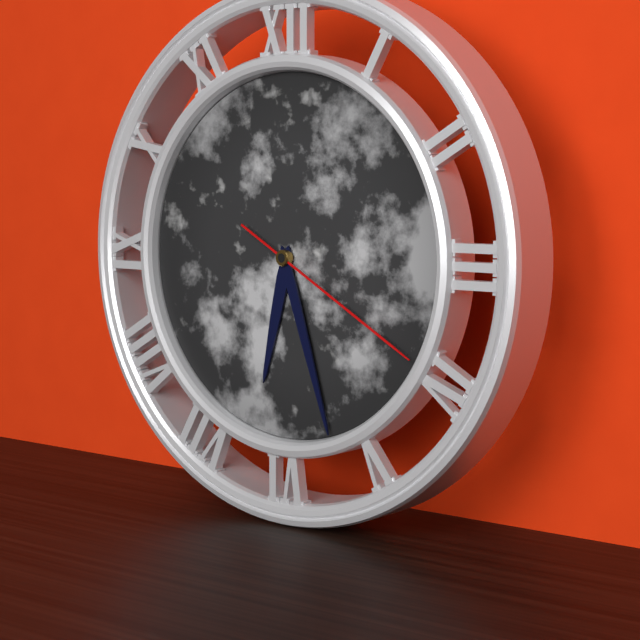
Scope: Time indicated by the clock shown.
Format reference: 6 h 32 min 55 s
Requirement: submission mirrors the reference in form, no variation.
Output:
6 h 27 min 20 s
